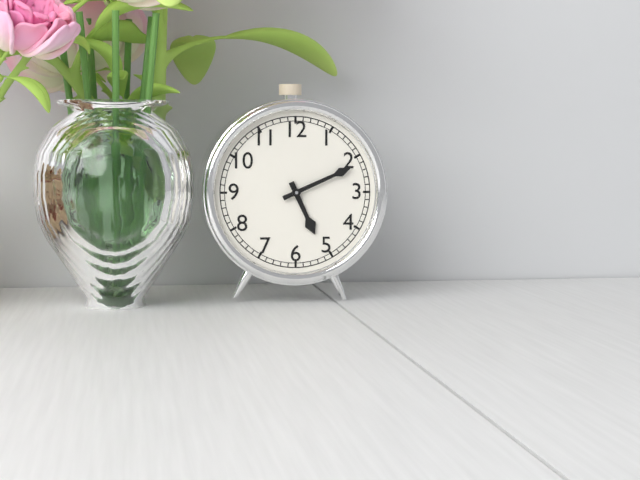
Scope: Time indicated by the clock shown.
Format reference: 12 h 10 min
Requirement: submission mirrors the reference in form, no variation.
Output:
5 h 11 min
